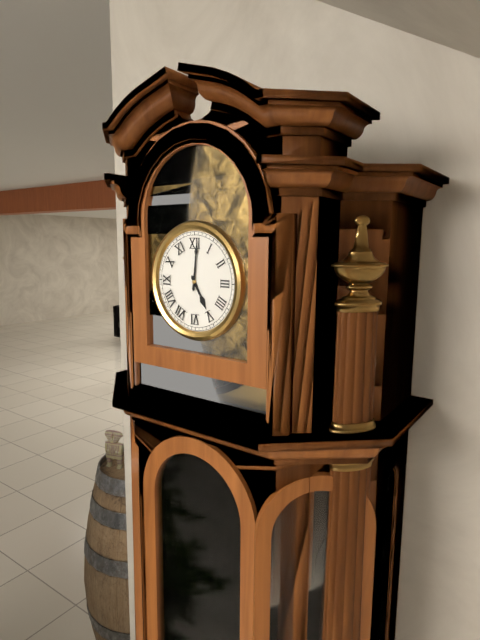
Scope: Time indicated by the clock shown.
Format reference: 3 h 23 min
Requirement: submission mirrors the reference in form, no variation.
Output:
5 h 01 min
